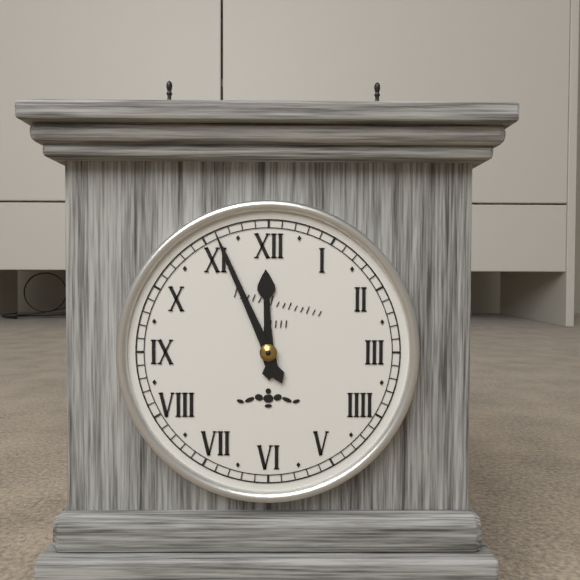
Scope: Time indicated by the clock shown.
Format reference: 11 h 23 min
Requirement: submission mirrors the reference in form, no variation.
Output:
11 h 56 min
